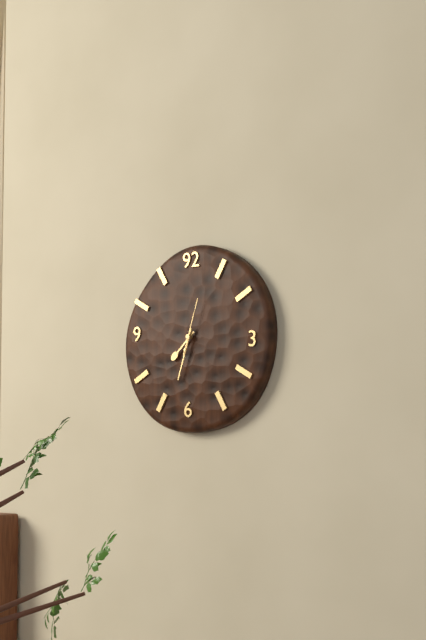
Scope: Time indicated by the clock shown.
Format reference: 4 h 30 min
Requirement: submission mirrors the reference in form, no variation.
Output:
7 h 33 min
